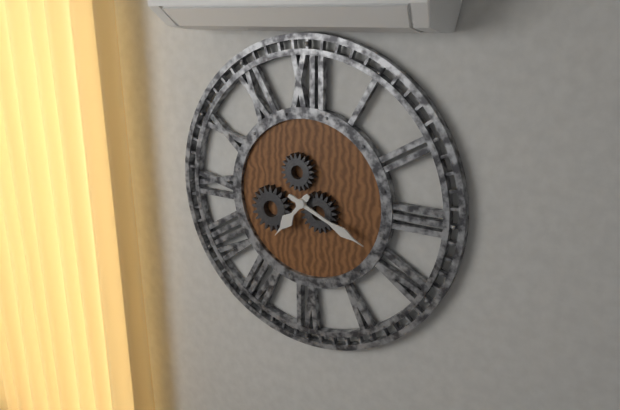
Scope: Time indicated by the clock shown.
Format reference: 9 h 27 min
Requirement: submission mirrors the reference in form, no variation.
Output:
7 h 19 min
